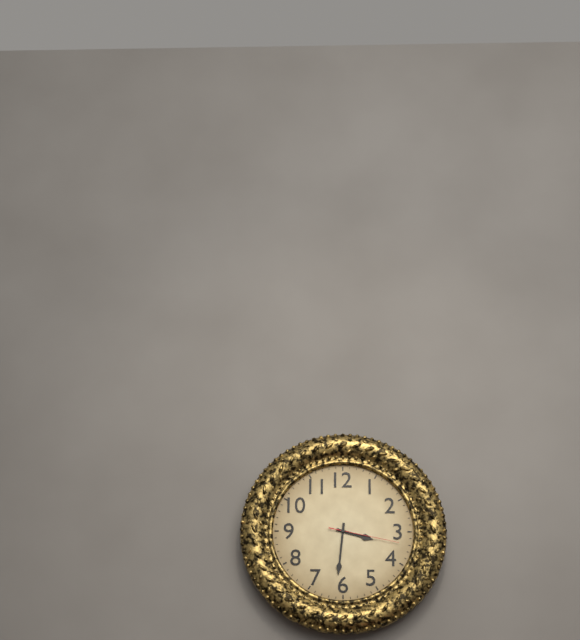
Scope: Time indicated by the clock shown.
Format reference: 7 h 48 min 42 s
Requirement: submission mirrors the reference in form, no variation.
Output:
3 h 31 min 17 s
